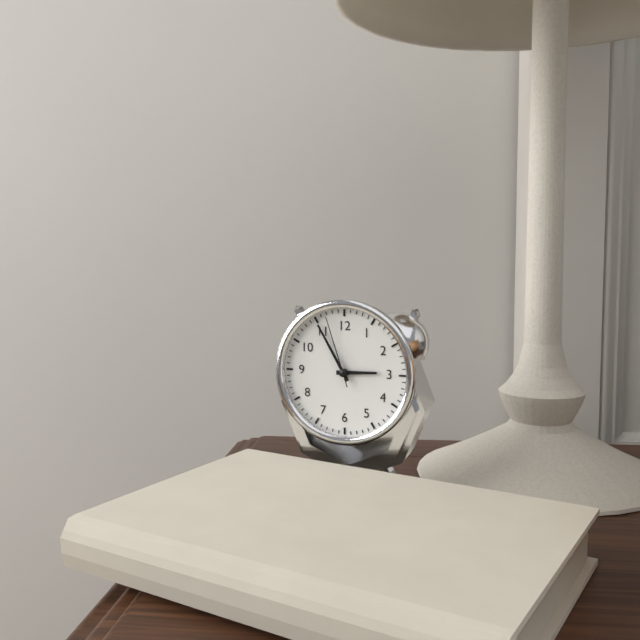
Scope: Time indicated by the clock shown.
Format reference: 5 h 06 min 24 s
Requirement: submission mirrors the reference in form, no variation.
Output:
2 h 55 min 57 s
